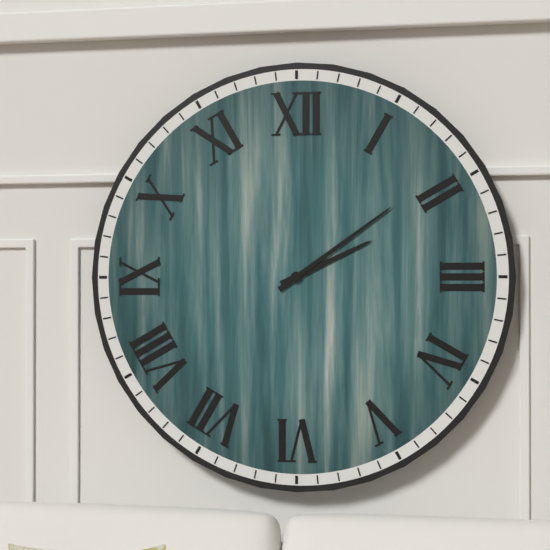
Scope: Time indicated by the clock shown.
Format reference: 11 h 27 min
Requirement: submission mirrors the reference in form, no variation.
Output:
2 h 09 min
